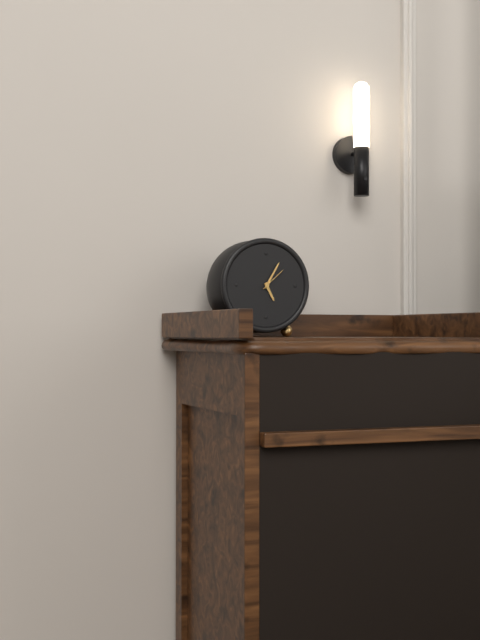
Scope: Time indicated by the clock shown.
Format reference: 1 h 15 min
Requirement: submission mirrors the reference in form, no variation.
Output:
5 h 05 min
